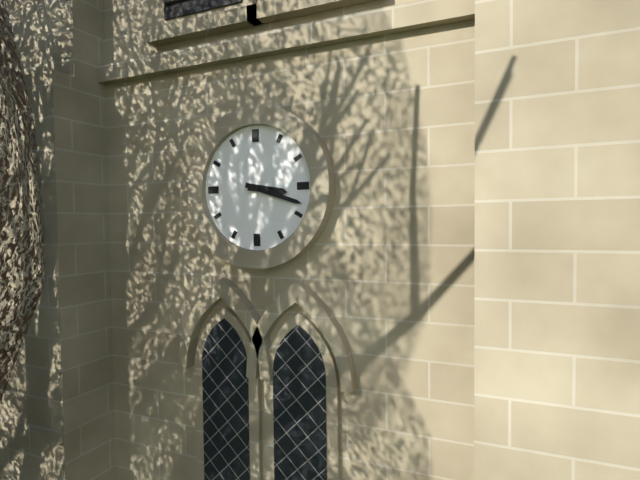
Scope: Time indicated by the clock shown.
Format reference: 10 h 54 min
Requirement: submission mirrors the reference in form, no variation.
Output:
3 h 18 min
